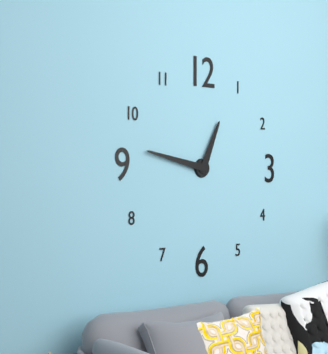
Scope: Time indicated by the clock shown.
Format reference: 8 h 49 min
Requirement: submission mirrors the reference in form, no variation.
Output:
12 h 47 min
